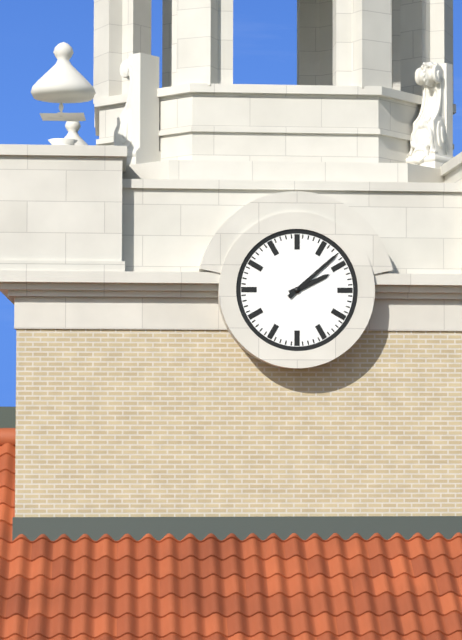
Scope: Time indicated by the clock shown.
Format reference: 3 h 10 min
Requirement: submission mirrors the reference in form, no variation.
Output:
2 h 08 min
